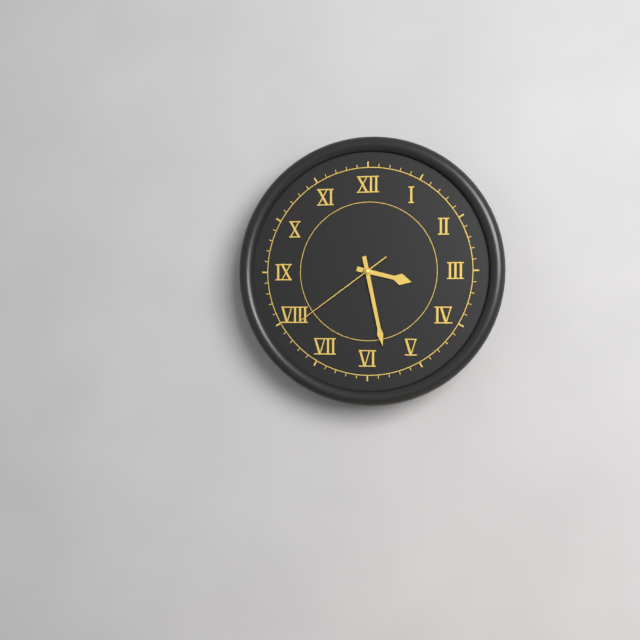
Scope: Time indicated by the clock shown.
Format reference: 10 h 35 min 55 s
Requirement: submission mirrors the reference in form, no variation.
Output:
3 h 28 min 39 s
